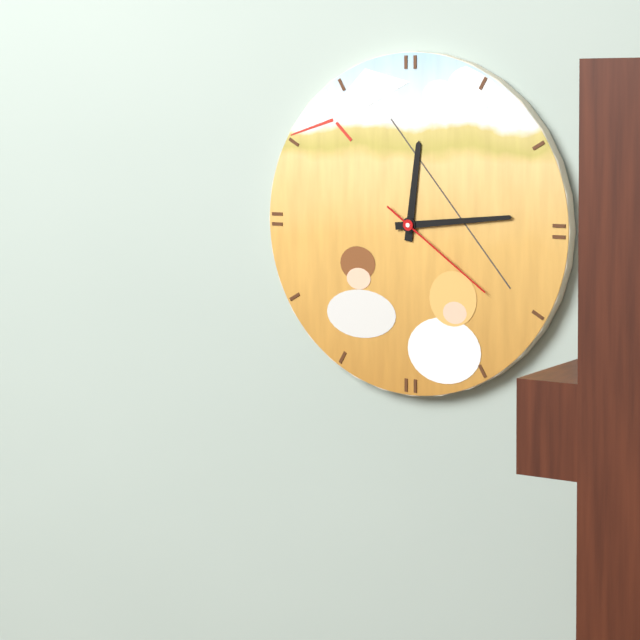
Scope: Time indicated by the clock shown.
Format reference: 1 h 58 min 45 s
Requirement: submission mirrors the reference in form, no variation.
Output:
12 h 14 min 21 s
